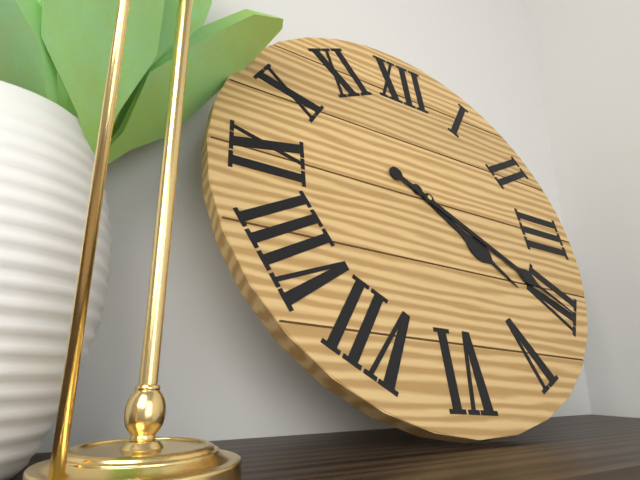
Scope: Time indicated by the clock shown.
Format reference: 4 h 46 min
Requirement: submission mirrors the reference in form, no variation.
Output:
4 h 20 min
